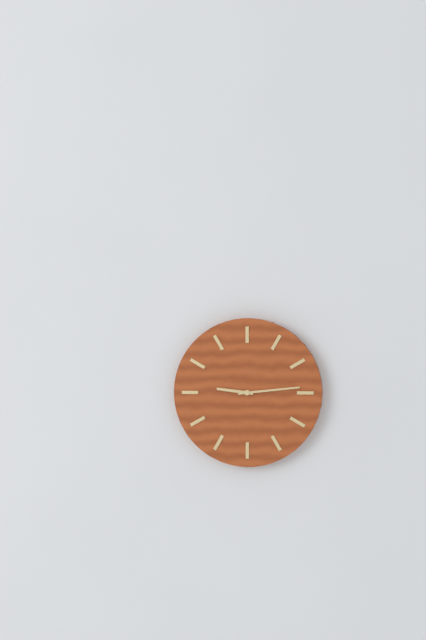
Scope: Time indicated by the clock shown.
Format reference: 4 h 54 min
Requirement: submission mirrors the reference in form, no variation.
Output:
9 h 14 min
